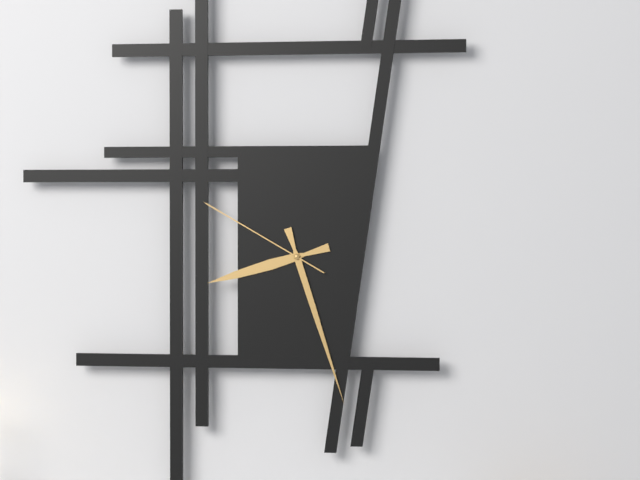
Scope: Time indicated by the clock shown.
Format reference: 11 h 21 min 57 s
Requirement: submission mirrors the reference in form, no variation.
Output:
8 h 27 min 50 s
